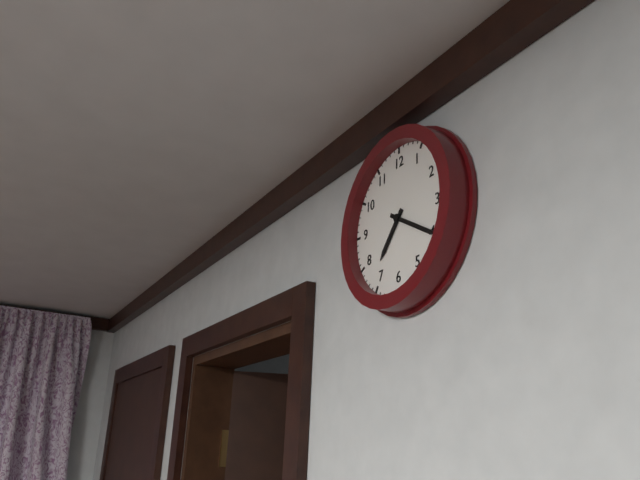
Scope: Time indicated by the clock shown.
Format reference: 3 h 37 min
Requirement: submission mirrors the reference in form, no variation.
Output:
7 h 20 min
